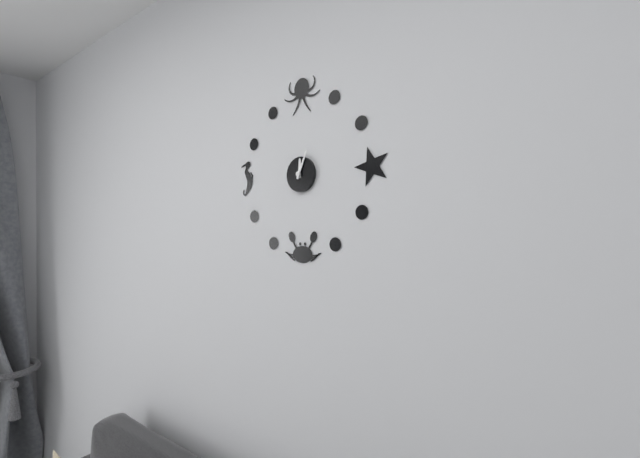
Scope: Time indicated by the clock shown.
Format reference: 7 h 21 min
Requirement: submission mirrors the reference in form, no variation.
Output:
12 h 04 min
